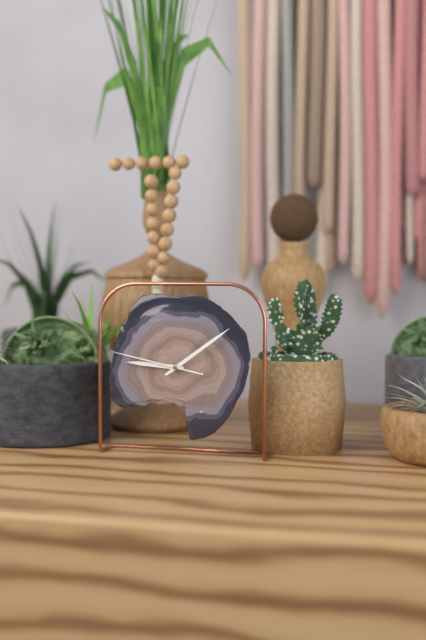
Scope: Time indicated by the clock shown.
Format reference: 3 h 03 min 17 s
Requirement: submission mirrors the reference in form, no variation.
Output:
9 h 09 min 47 s
